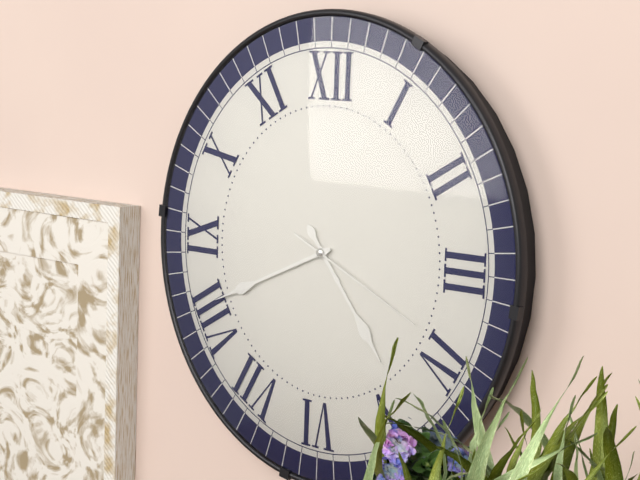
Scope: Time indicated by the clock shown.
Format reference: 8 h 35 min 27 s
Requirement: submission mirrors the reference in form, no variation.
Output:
4 h 41 min 19 s
